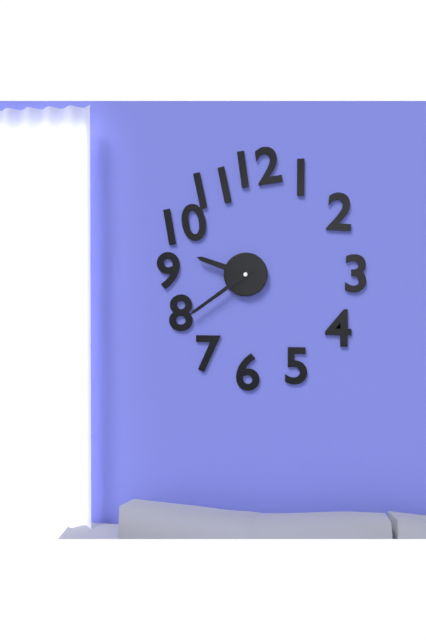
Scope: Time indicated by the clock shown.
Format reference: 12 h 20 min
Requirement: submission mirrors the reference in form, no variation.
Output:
9 h 39 min
